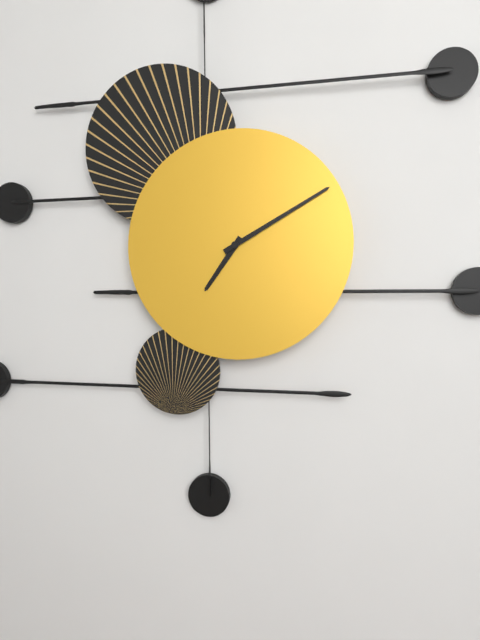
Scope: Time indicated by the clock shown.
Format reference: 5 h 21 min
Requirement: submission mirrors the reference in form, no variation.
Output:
7 h 10 min
